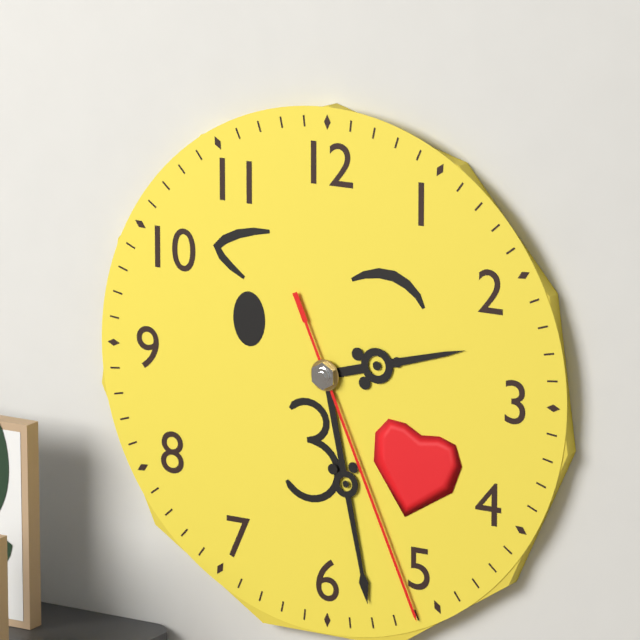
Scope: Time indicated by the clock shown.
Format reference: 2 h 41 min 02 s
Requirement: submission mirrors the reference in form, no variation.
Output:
2 h 28 min 26 s
